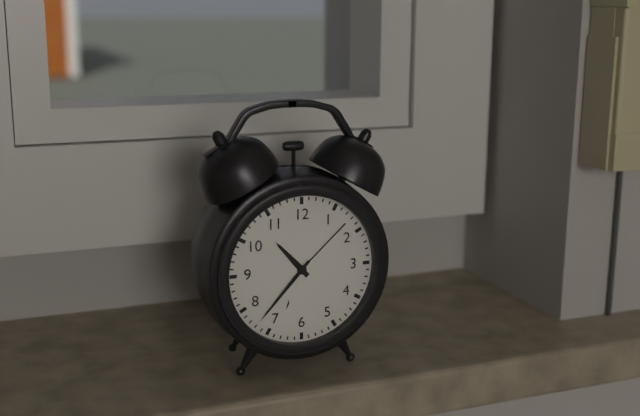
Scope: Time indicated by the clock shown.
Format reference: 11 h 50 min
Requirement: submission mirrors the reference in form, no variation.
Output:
10 h 37 min
